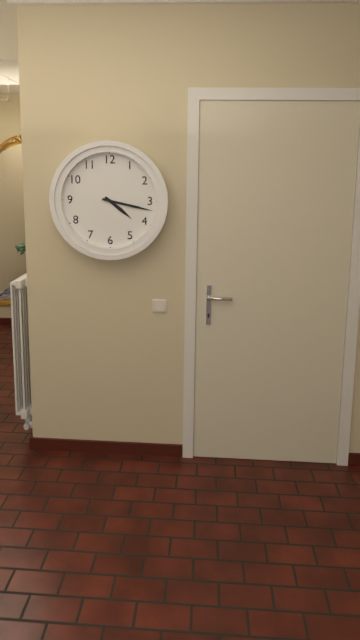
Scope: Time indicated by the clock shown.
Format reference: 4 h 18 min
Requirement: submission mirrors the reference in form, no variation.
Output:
4 h 17 min
